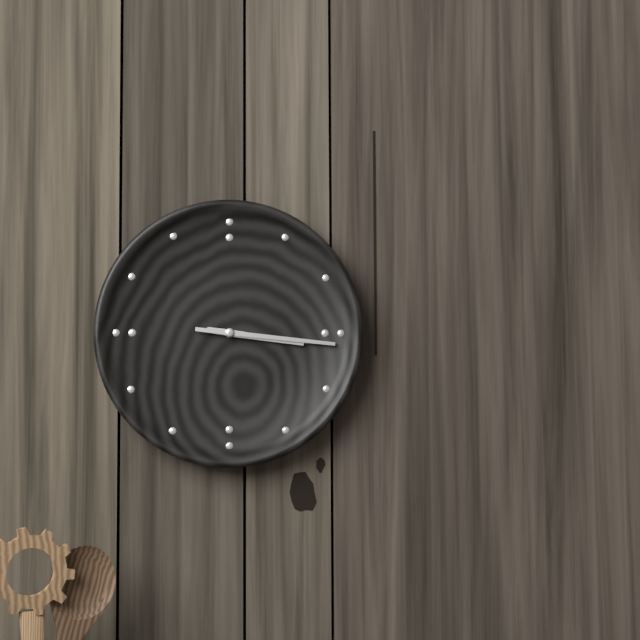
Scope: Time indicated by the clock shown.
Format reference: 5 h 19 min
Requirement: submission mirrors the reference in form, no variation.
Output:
3 h 16 min
